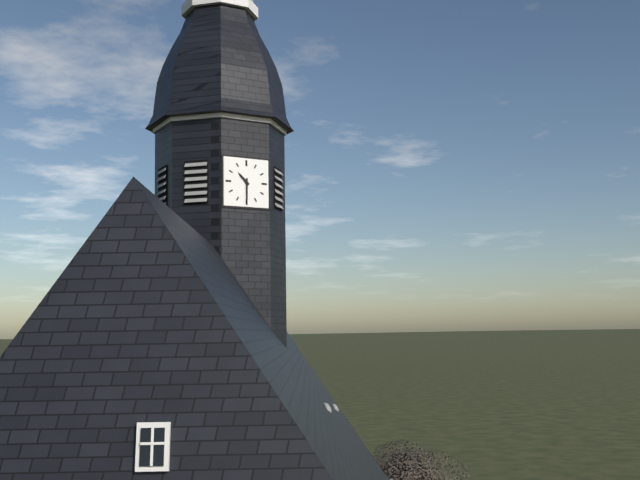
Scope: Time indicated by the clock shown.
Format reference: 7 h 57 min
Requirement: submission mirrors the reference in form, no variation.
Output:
10 h 30 min
